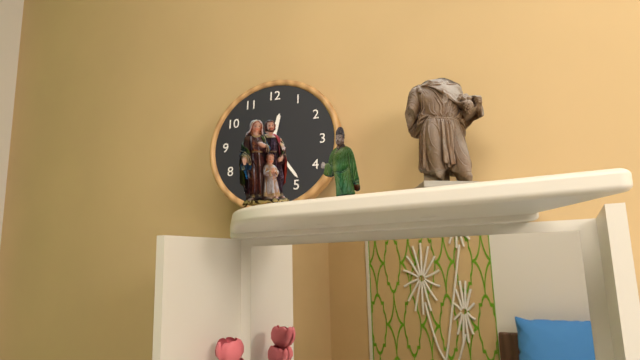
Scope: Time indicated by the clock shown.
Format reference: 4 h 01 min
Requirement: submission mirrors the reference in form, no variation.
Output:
12 h 24 min
